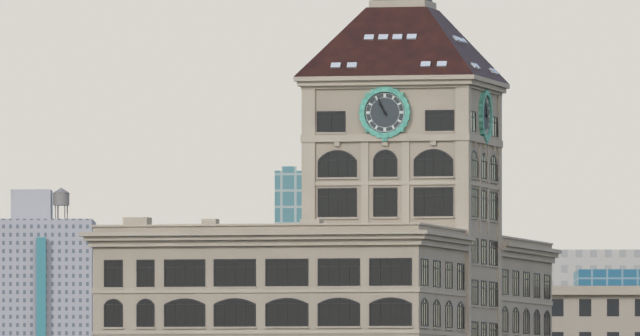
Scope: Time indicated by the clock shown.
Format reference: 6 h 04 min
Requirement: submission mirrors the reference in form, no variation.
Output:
10 h 56 min
